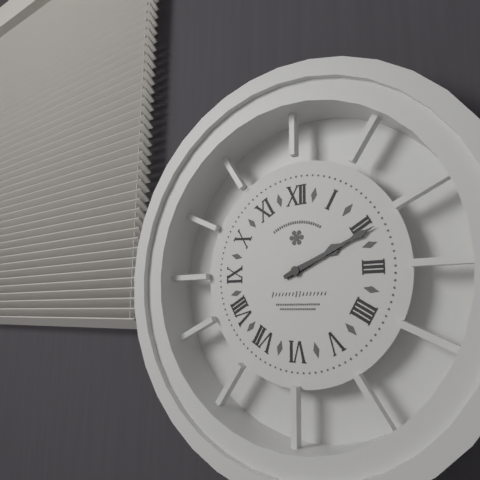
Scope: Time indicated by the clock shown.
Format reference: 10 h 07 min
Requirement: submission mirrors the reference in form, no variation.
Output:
2 h 11 min
